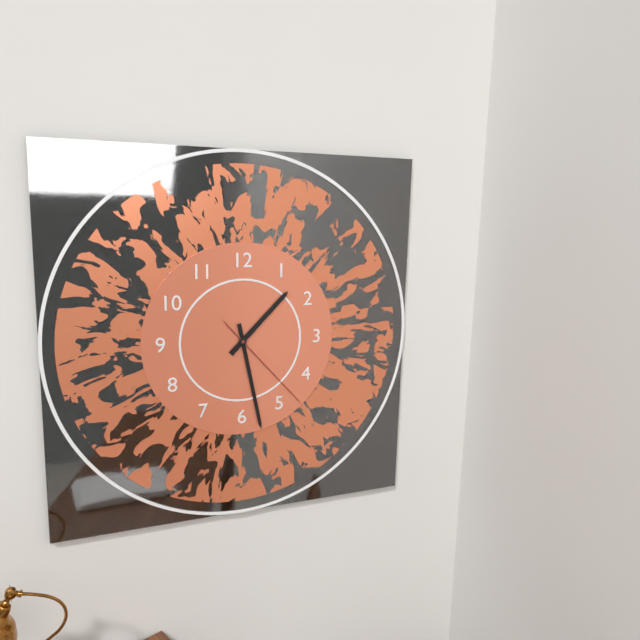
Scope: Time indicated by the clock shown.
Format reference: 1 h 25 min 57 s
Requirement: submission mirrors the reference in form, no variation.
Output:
1 h 28 min 23 s
